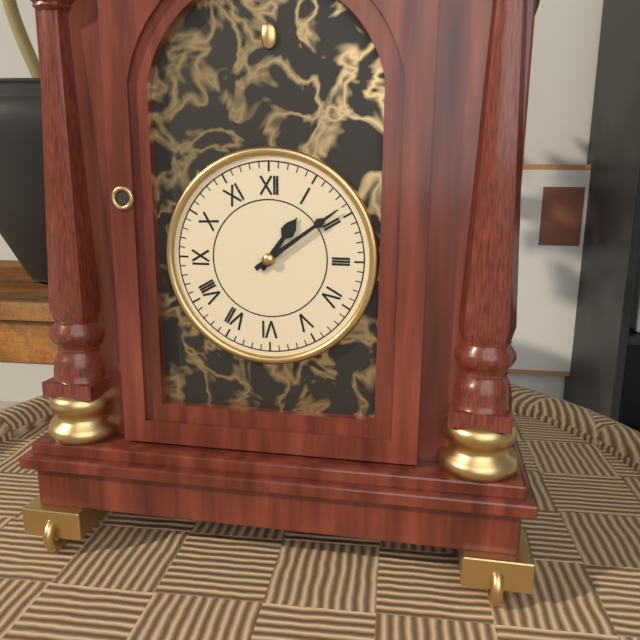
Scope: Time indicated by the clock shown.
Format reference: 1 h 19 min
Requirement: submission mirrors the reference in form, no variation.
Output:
1 h 09 min
